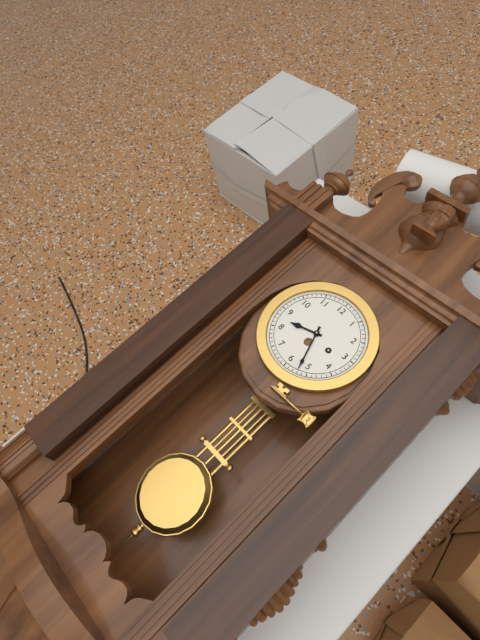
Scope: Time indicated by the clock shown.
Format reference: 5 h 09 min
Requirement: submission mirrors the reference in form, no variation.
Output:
8 h 27 min
